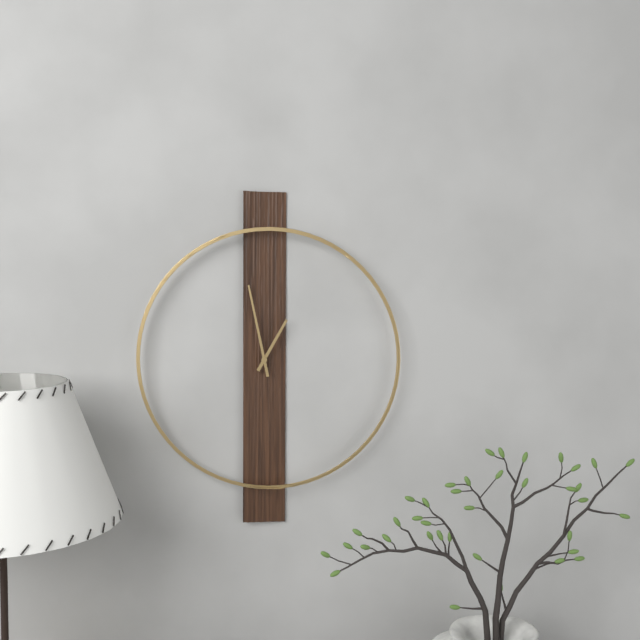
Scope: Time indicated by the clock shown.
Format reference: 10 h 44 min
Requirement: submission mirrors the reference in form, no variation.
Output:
12 h 58 min
